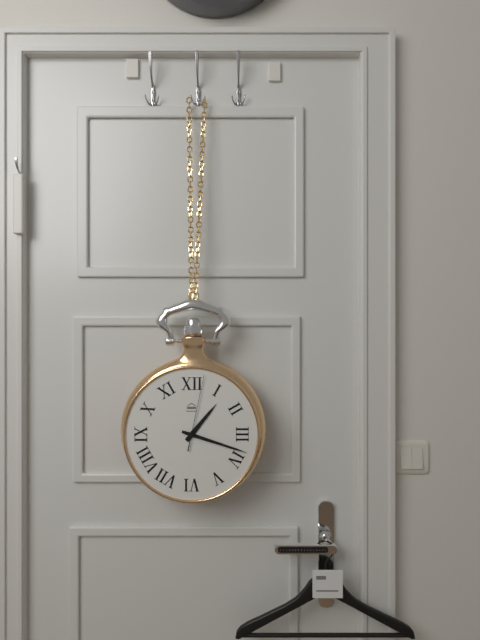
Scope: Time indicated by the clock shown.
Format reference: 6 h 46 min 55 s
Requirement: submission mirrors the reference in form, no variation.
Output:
1 h 18 min 02 s
